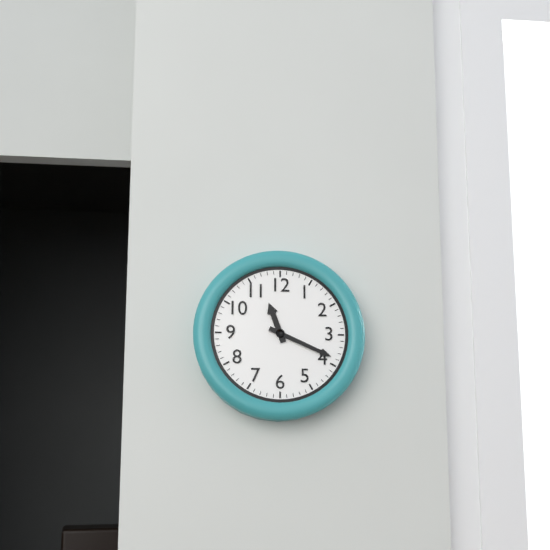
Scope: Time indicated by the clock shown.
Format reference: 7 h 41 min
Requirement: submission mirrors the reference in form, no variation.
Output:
11 h 19 min
